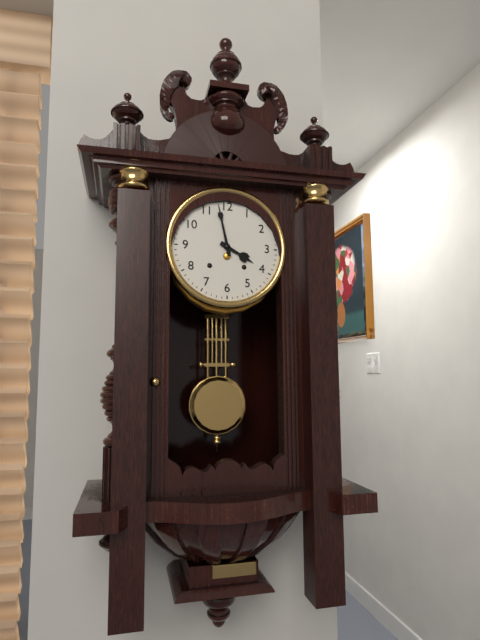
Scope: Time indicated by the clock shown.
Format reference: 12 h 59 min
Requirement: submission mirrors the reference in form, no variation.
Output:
3 h 58 min
